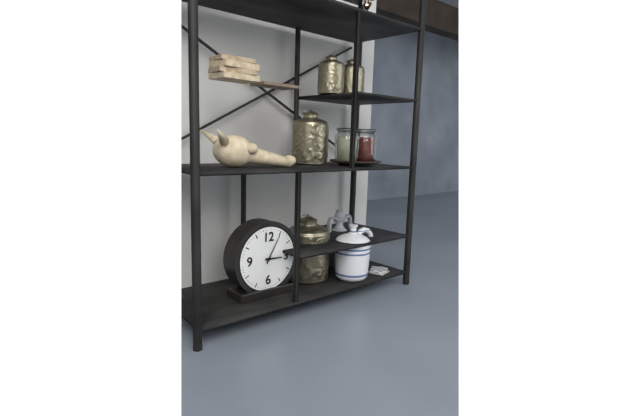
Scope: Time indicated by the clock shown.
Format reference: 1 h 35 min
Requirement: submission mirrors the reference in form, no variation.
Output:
3 h 05 min
